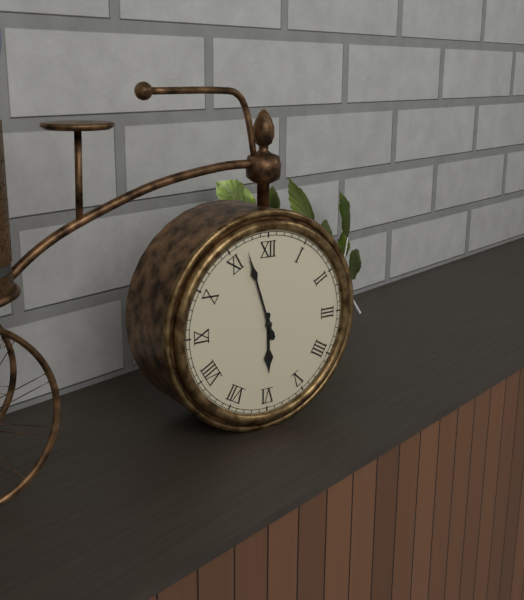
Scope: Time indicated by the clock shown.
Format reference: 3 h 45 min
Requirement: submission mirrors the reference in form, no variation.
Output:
5 h 57 min
